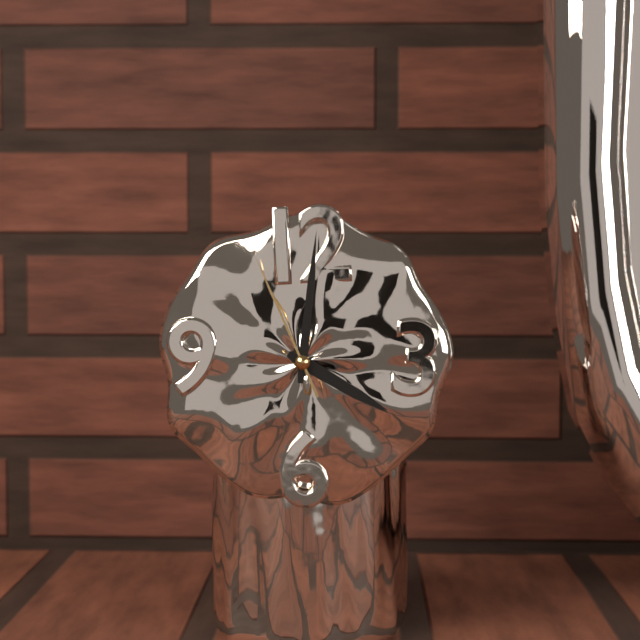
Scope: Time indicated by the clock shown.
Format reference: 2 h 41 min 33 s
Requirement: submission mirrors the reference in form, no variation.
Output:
4 h 01 min 56 s
